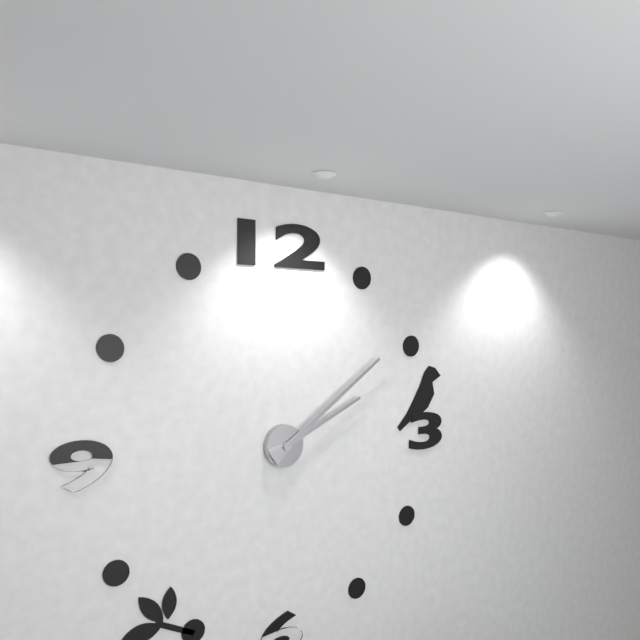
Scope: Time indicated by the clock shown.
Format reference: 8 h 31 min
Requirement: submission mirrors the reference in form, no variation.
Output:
2 h 09 min
